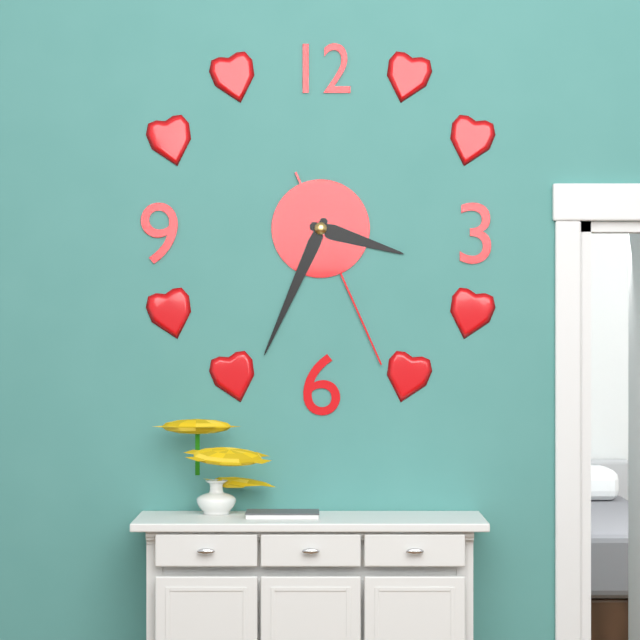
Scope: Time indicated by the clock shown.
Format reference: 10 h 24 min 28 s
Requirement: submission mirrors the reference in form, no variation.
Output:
3 h 34 min 26 s
